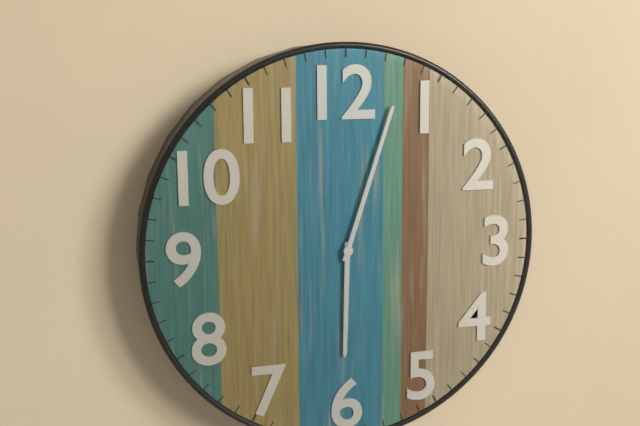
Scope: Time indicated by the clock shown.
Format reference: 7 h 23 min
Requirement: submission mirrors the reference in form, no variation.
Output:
6 h 03 min
